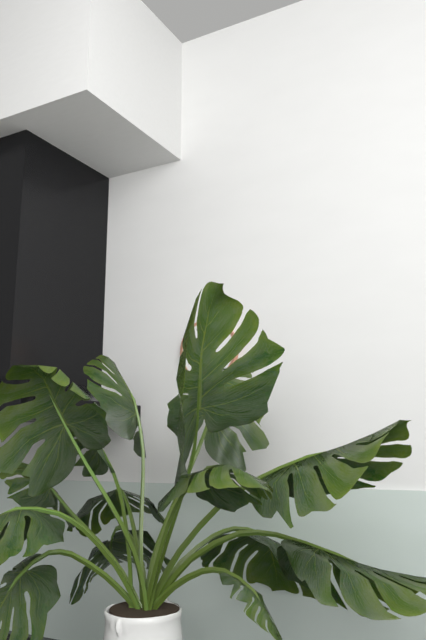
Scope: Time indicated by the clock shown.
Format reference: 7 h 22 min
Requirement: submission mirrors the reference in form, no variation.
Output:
5 h 57 min
